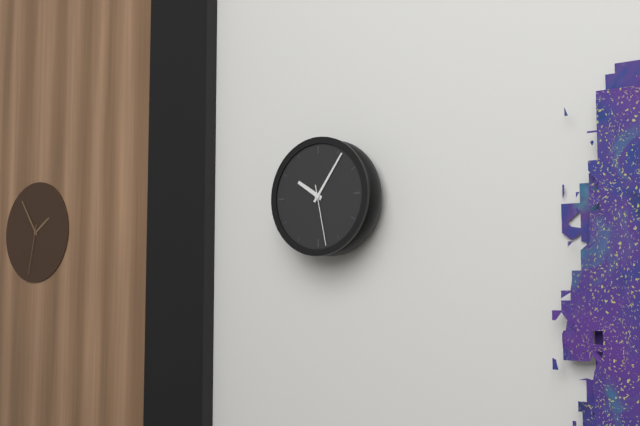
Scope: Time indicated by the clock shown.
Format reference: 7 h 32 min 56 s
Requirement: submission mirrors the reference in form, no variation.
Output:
10 h 06 min 28 s
